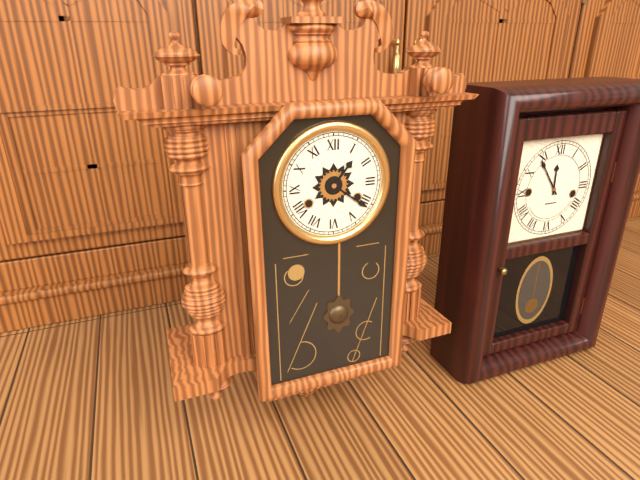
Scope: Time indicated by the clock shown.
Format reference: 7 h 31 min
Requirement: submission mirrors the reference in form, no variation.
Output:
1 h 21 min
